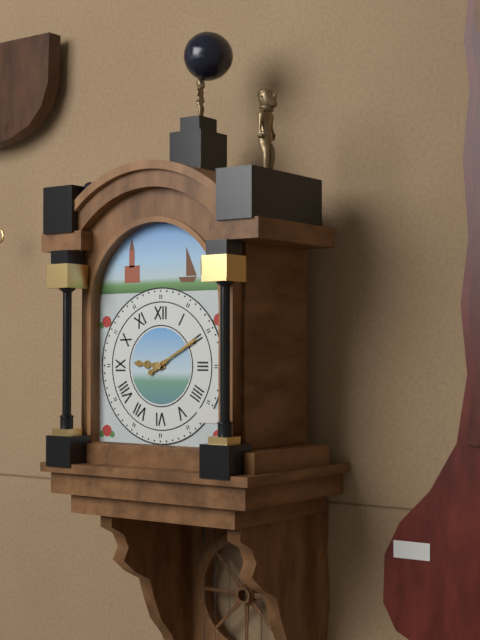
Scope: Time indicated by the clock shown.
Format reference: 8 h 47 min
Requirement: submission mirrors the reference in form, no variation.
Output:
9 h 10 min
